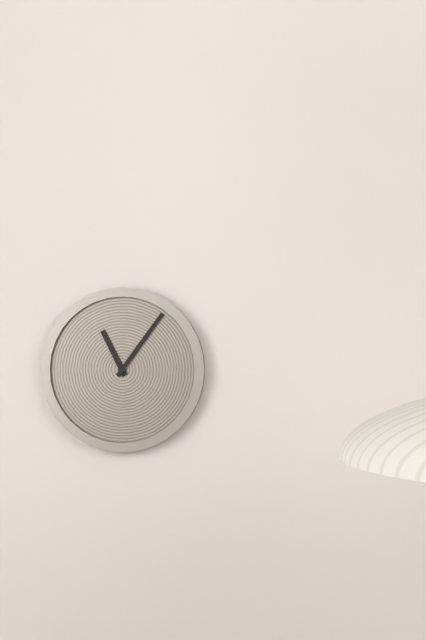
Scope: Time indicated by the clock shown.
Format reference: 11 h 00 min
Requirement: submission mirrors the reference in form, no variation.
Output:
11 h 06 min
